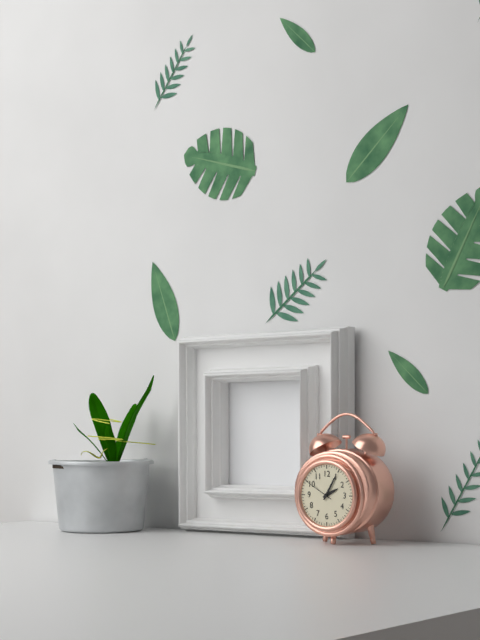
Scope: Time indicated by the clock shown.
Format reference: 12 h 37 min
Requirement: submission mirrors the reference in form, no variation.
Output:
2 h 05 min
